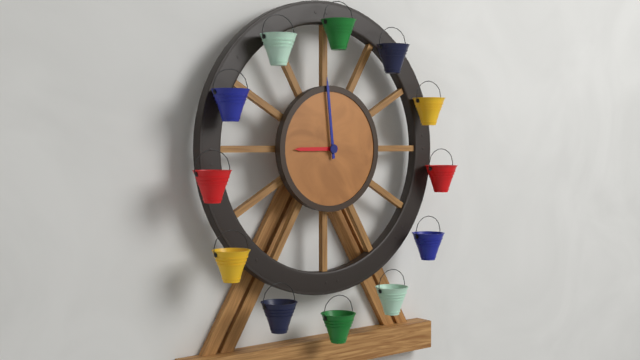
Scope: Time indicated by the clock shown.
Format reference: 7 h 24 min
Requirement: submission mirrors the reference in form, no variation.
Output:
8 h 59 min
